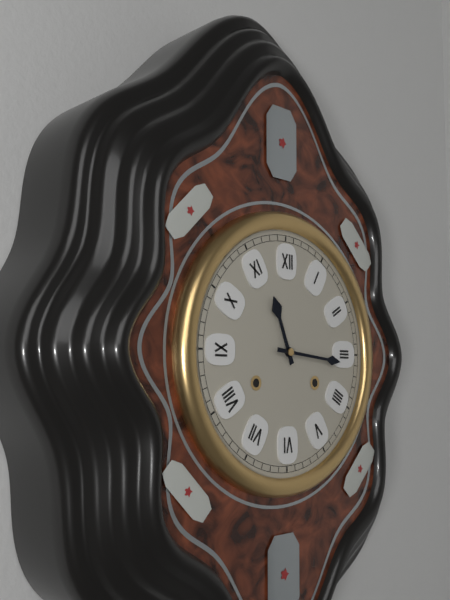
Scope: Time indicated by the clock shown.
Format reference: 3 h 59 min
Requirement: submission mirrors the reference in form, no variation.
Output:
11 h 16 min
